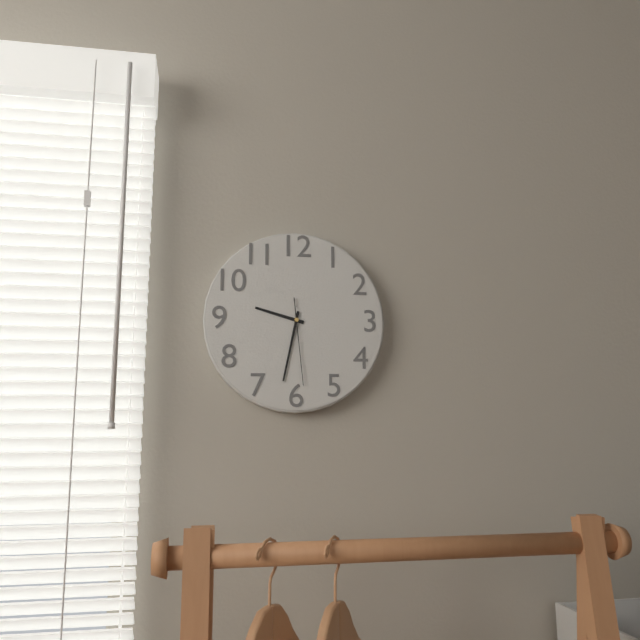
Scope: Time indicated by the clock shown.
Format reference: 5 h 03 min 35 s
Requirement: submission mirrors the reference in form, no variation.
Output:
9 h 32 min 29 s
